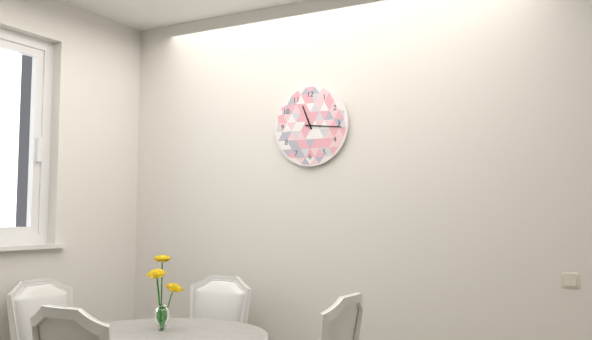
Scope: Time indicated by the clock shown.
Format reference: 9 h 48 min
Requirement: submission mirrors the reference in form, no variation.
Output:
11 h 16 min
